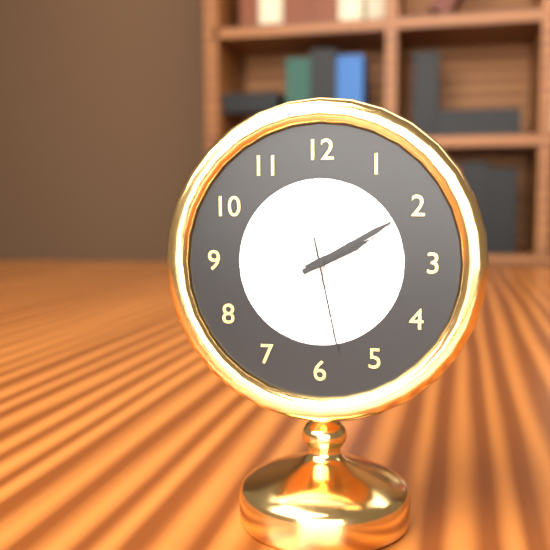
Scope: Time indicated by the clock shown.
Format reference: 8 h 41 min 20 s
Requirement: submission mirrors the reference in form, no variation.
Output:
2 h 10 min 28 s
